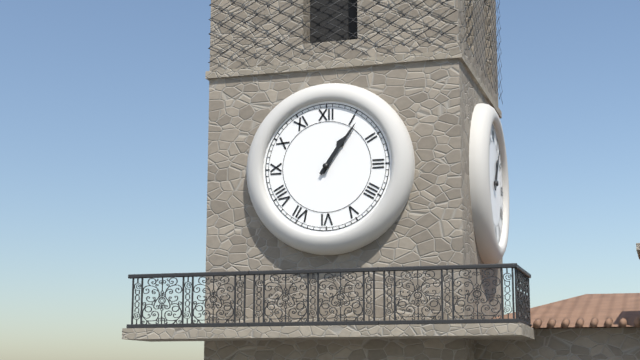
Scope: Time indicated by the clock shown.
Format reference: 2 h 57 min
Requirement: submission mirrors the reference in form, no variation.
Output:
1 h 06 min
